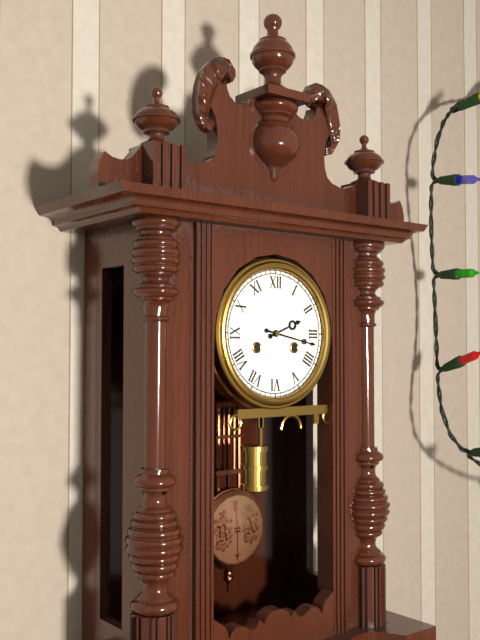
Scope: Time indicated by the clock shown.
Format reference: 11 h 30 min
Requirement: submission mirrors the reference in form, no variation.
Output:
2 h 17 min
